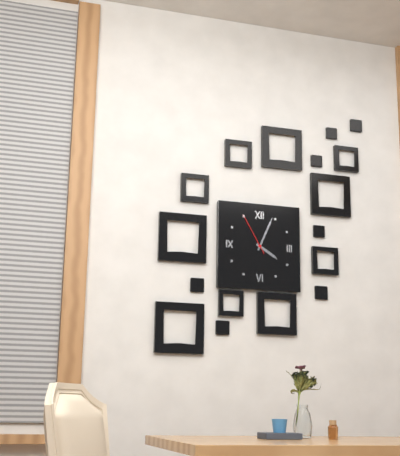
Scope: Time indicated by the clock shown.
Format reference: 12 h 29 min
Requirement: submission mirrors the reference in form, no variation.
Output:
4 h 04 min
